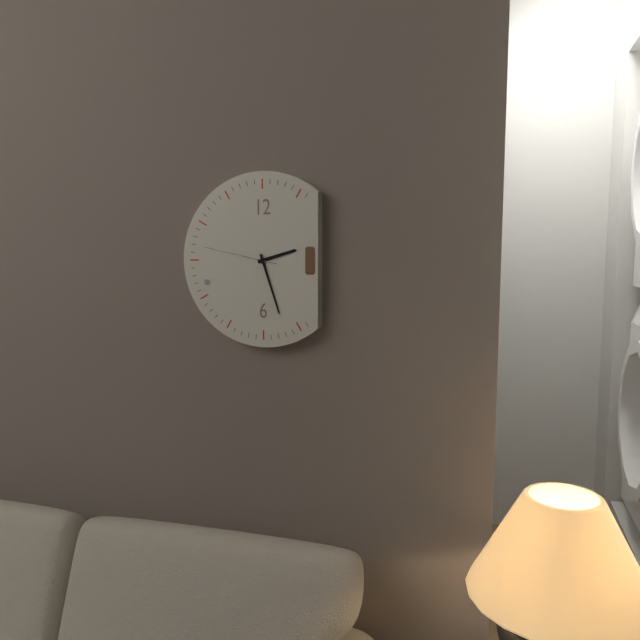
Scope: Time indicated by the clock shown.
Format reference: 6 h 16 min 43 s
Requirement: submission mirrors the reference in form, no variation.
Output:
2 h 27 min 47 s
